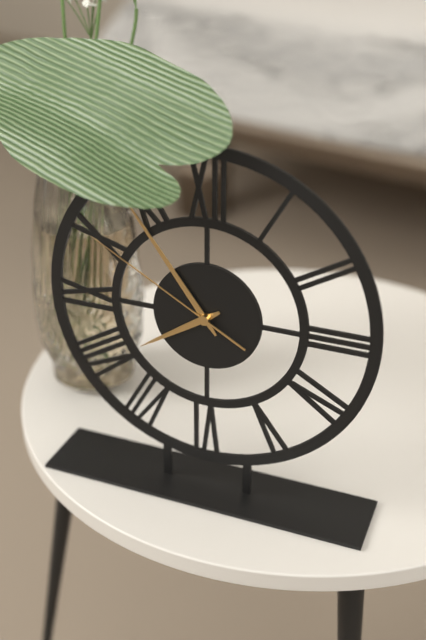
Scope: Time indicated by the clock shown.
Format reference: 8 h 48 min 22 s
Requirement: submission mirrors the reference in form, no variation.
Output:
7 h 54 min 50 s
